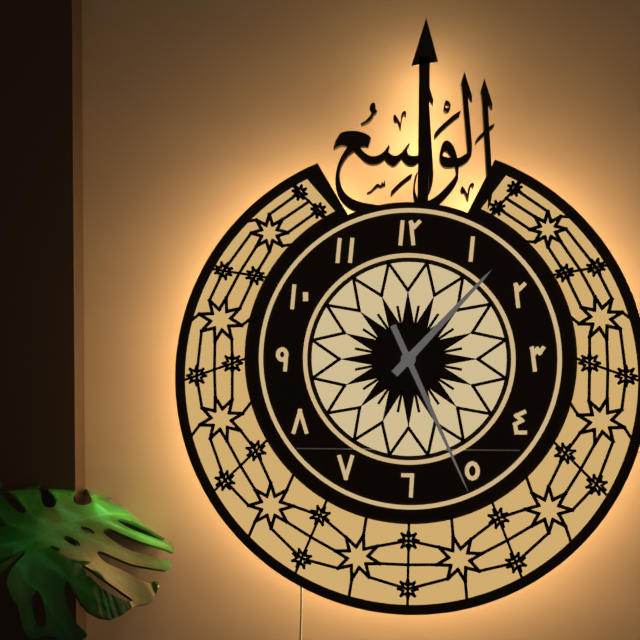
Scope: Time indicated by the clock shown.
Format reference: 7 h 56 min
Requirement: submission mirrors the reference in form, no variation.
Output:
1 h 26 min
